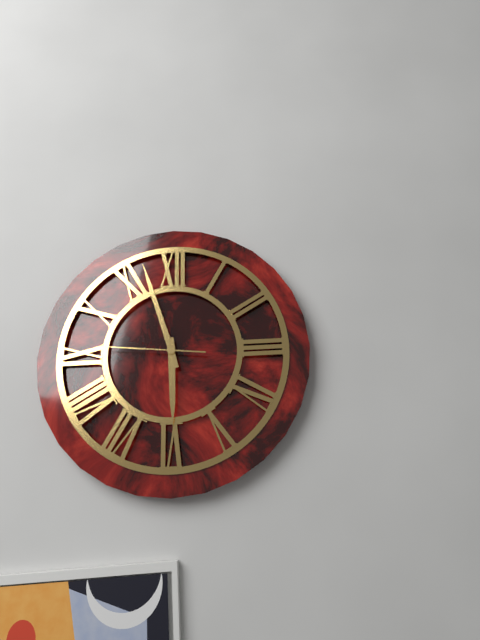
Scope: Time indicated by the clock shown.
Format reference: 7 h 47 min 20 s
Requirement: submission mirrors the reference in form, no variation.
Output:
5 h 57 min 46 s
